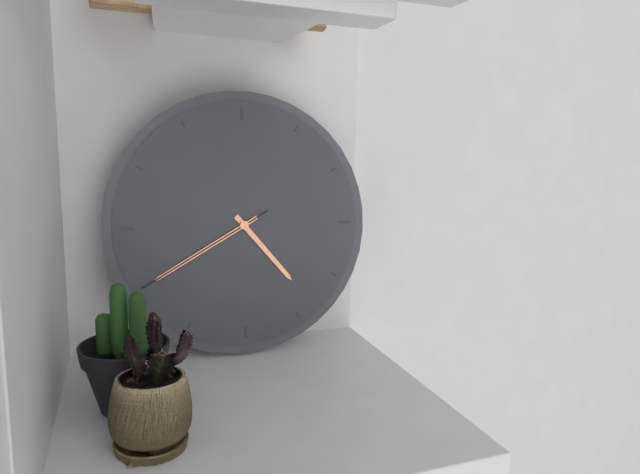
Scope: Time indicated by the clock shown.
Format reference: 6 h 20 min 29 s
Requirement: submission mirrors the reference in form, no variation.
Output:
4 h 40 min 40 s
